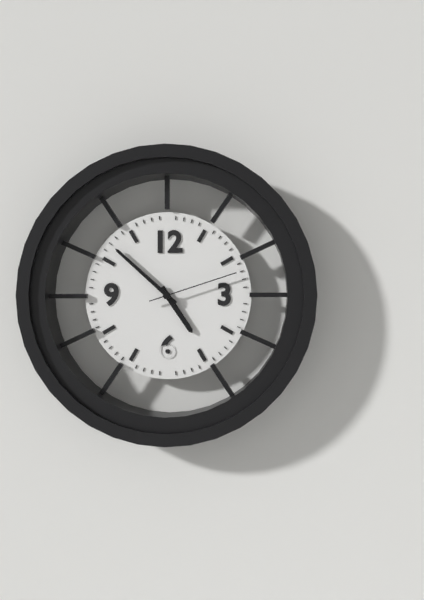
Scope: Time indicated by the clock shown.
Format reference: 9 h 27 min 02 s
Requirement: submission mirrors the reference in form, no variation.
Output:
4 h 52 min 12 s
